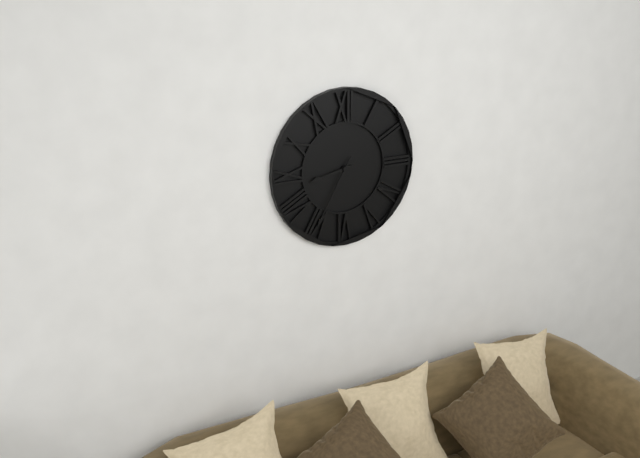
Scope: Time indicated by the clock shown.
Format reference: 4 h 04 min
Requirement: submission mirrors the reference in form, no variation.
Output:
8 h 35 min
